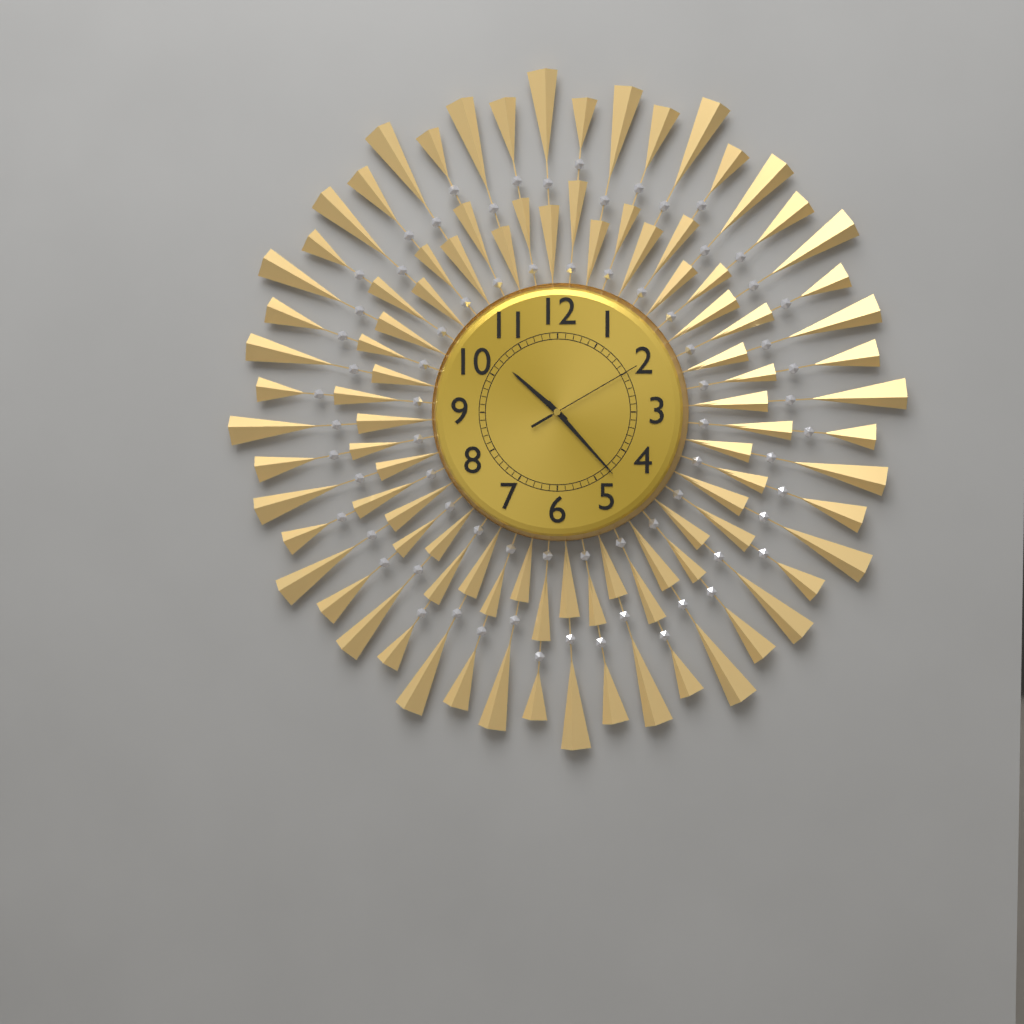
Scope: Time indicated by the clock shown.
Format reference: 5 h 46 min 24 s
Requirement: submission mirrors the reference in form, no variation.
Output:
10 h 23 min 10 s
